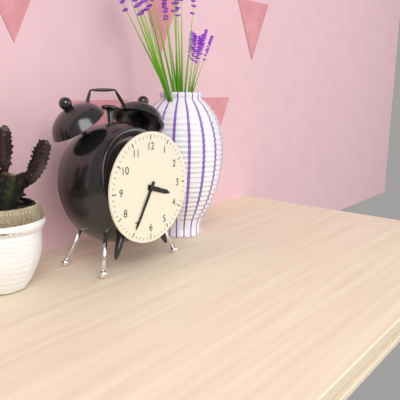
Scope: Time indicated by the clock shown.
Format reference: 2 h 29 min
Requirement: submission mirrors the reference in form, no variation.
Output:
3 h 35 min
